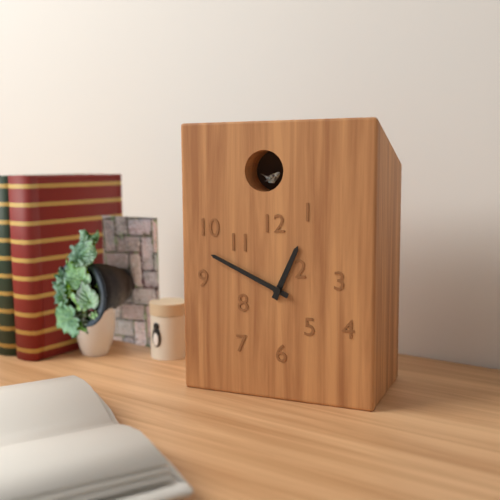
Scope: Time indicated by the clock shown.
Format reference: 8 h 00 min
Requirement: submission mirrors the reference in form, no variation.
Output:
12 h 49 min
